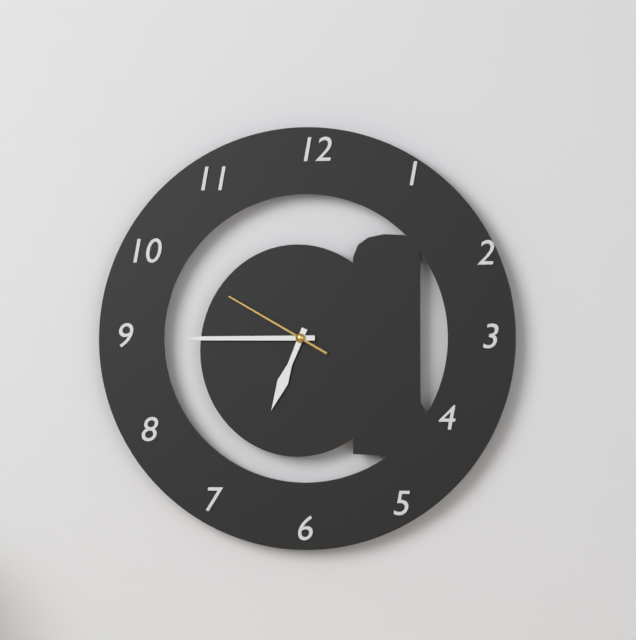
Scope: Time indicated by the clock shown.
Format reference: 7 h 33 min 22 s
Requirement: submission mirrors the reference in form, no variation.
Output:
6 h 45 min 50 s
